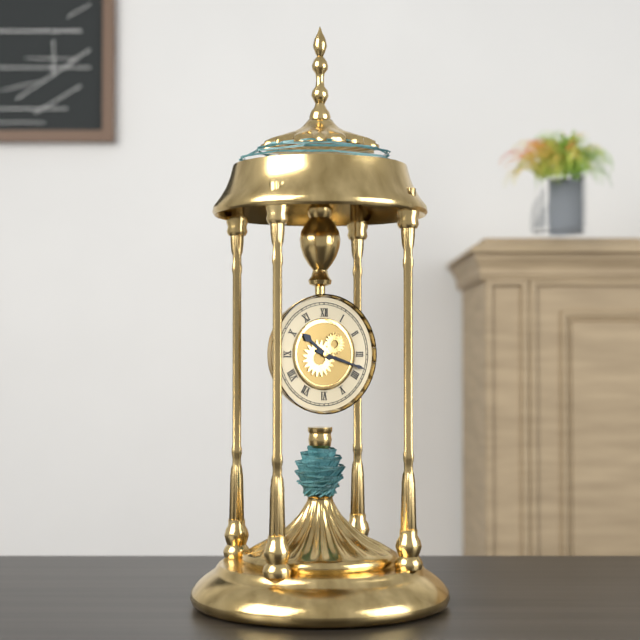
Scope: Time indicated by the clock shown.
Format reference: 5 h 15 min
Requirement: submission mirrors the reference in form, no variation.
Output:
10 h 18 min
